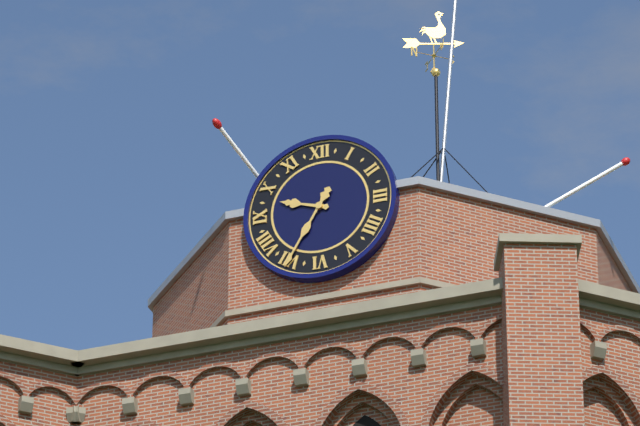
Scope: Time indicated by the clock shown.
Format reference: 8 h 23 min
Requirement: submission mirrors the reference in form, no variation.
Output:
9 h 35 min
